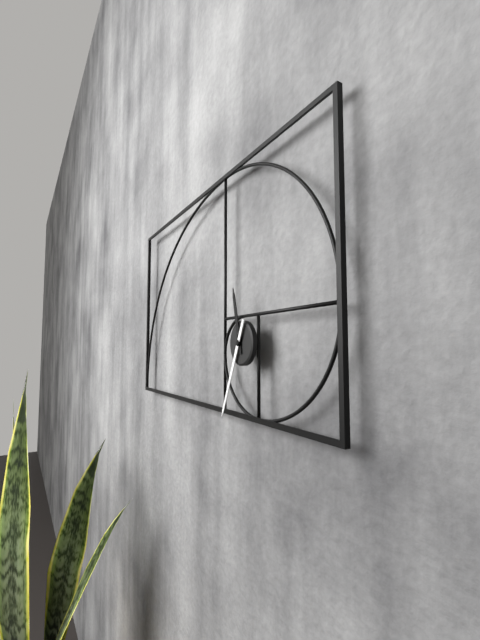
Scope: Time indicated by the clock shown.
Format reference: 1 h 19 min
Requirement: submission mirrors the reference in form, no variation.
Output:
11 h 34 min
